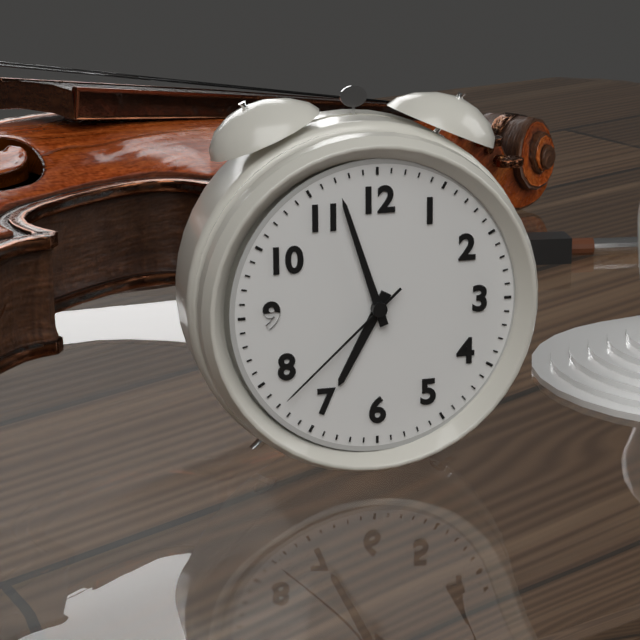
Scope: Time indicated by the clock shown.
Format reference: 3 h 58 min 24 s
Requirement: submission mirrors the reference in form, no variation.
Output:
6 h 57 min 38 s
